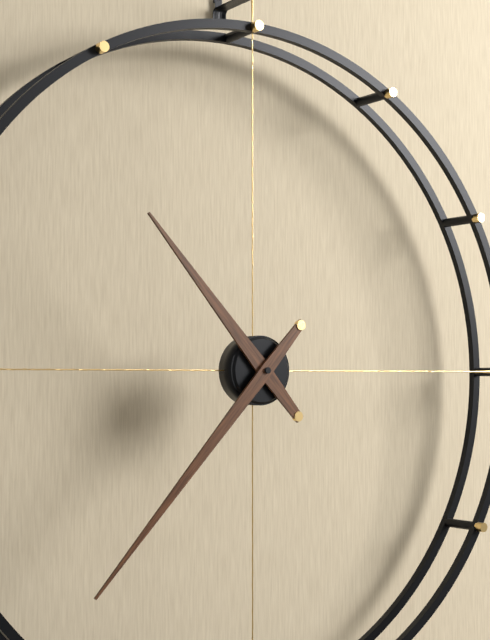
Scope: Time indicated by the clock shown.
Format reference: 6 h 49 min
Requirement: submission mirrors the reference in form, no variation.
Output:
10 h 37 min
